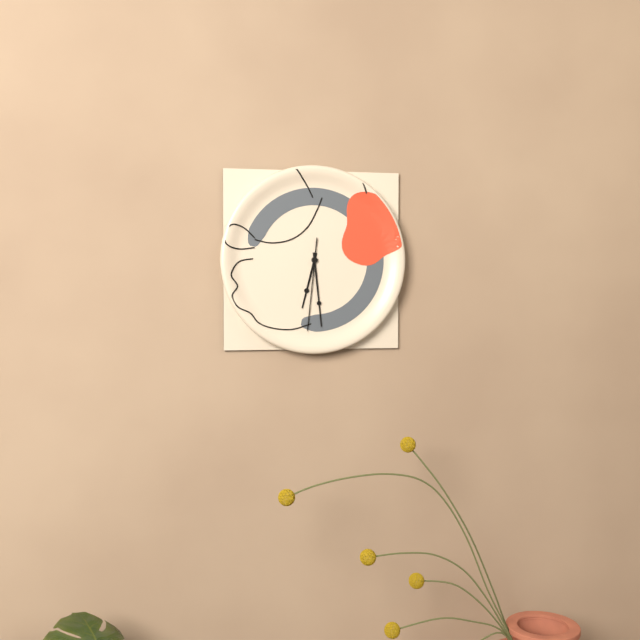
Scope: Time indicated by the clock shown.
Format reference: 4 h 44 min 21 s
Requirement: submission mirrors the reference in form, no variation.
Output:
6 h 29 min 31 s
